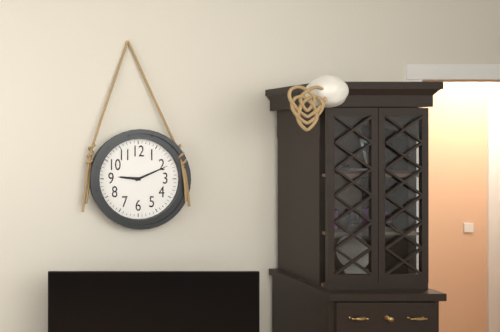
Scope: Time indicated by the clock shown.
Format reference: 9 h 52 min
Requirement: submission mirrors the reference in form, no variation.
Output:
9 h 11 min
